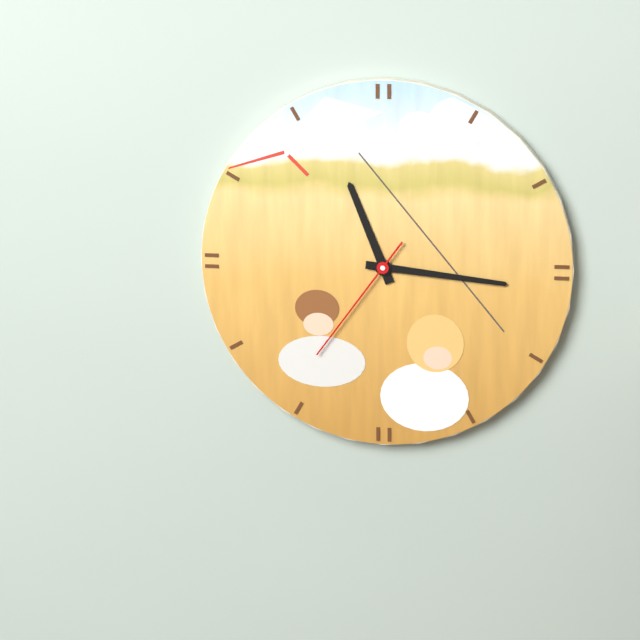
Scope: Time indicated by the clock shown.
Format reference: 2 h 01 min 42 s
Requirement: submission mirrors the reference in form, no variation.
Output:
11 h 16 min 36 s
